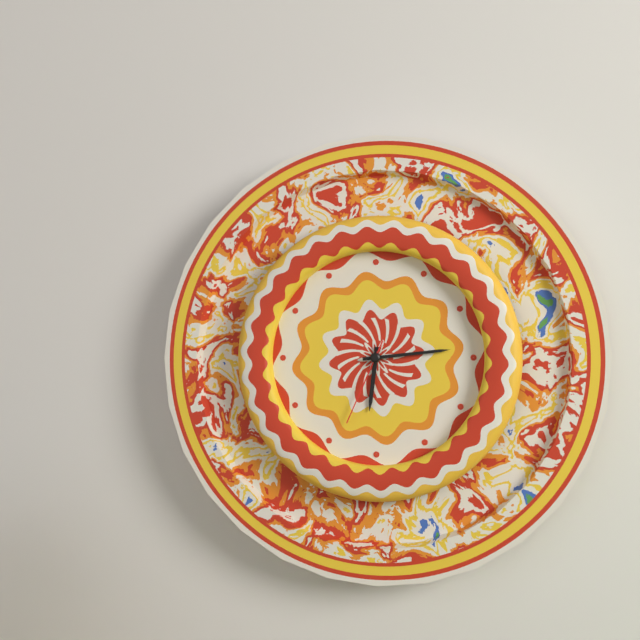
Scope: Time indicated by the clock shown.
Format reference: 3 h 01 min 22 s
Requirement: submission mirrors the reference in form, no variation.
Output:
6 h 14 min 34 s
